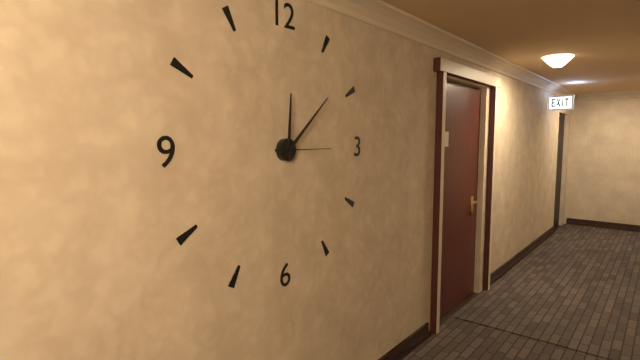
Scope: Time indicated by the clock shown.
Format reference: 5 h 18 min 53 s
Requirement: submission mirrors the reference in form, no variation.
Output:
12 h 08 min 15 s
